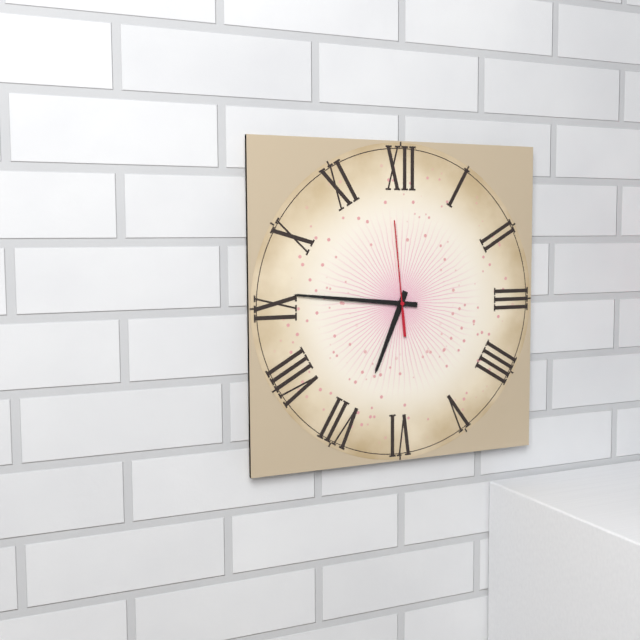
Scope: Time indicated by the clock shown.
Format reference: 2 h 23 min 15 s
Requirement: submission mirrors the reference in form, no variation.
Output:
6 h 46 min 59 s
